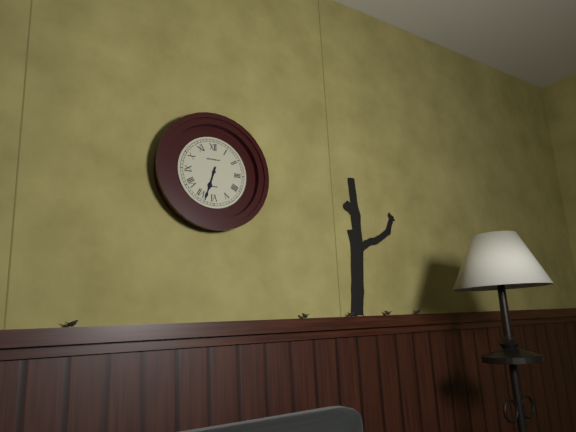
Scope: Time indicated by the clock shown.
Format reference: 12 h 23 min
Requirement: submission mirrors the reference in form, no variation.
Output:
6 h 33 min
